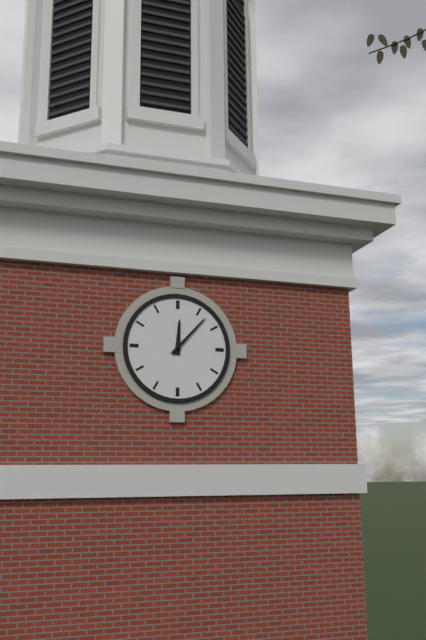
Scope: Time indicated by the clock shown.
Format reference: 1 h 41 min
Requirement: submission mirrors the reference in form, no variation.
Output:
12 h 07 min
